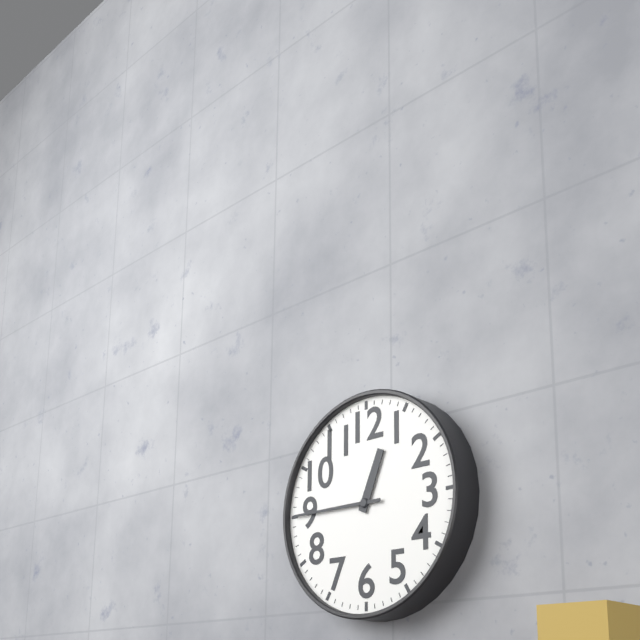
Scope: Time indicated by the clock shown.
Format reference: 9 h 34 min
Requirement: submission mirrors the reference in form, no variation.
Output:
12 h 45 min
